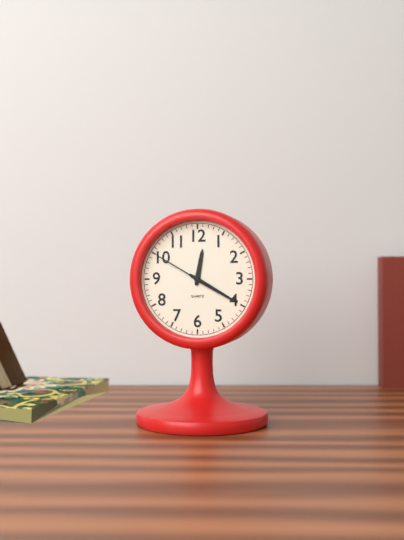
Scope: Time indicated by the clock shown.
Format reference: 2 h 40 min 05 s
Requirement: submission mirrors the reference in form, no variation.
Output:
12 h 20 min 50 s
